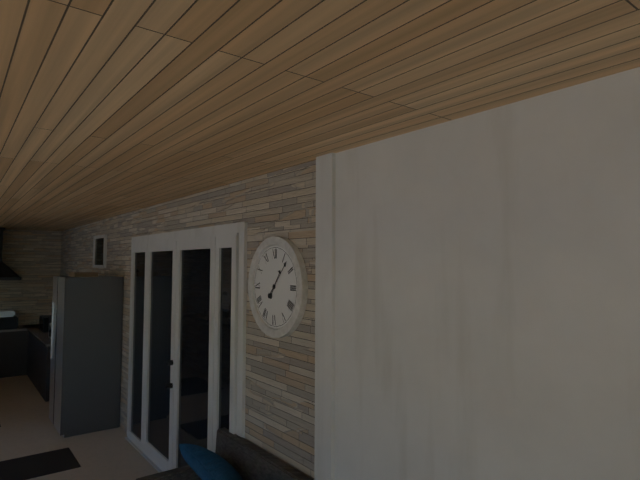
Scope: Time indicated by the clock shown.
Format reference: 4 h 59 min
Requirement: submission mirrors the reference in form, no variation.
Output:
1 h 07 min
